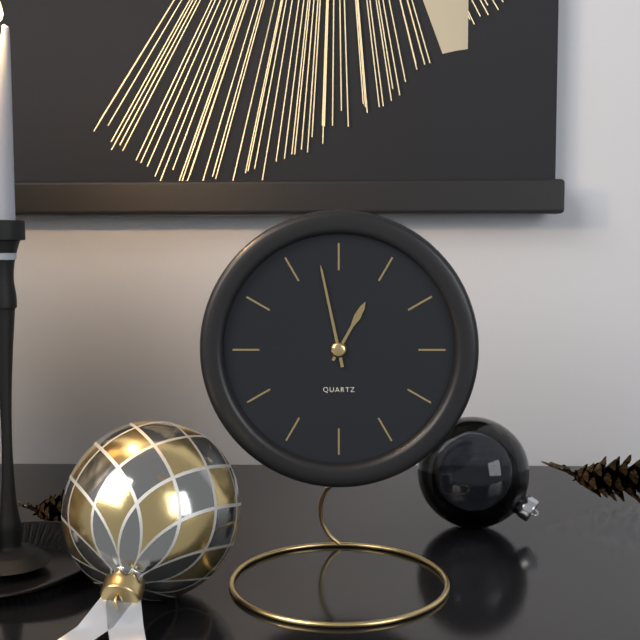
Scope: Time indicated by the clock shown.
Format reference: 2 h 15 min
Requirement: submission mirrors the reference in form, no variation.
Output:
12 h 58 min
